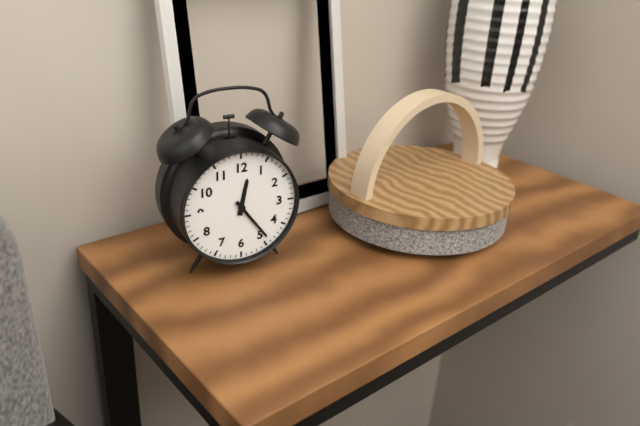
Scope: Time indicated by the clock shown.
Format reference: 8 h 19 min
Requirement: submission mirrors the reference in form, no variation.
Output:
12 h 24 min
